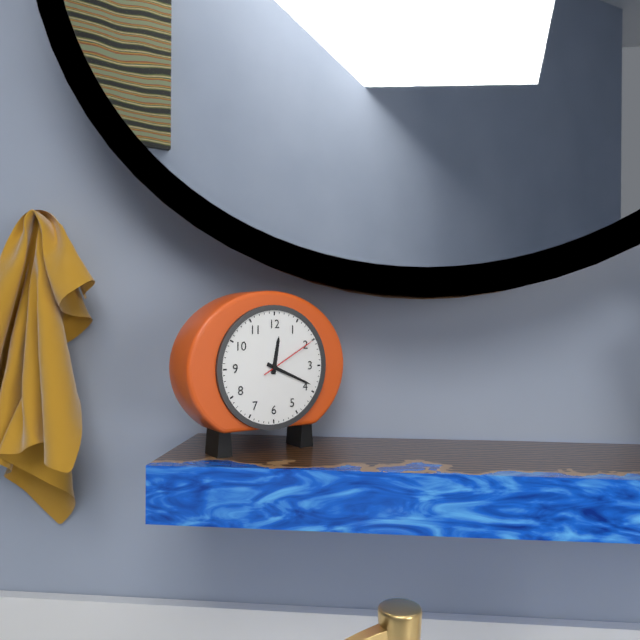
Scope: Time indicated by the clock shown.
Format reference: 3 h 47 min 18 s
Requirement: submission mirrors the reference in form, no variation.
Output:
12 h 19 min 10 s
